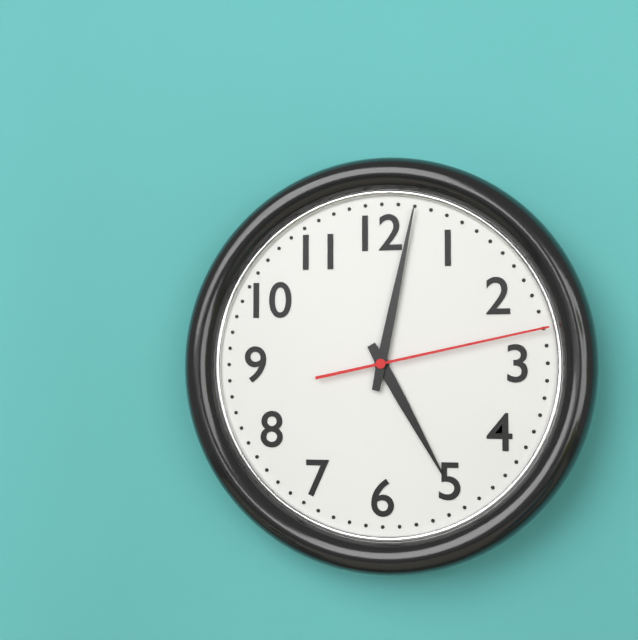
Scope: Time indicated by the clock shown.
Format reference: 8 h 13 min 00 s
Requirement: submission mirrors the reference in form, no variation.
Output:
5 h 02 min 13 s
